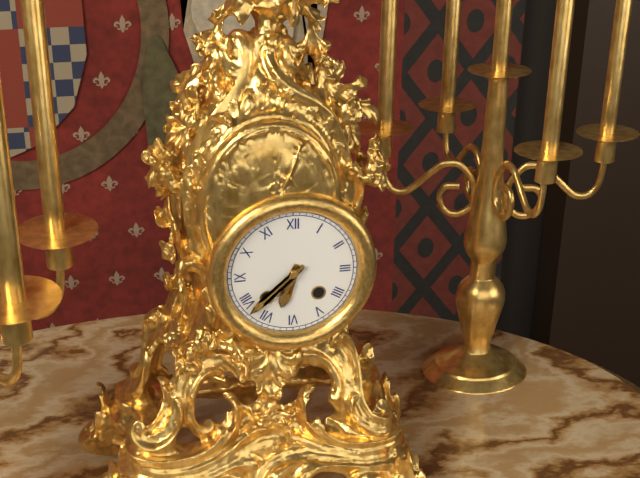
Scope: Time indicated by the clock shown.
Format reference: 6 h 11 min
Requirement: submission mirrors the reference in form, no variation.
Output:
6 h 38 min
